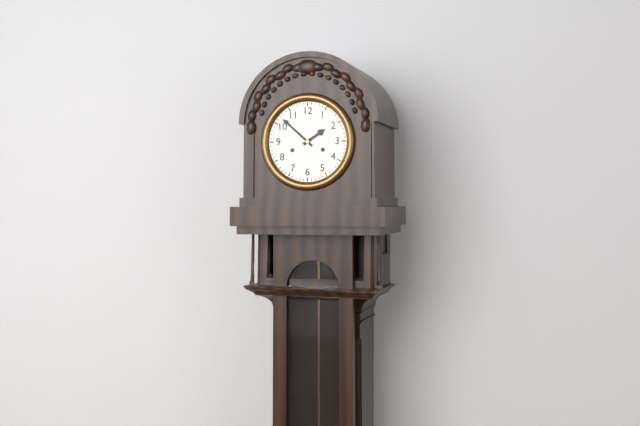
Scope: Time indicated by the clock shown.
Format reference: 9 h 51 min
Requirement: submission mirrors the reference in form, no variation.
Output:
1 h 52 min
